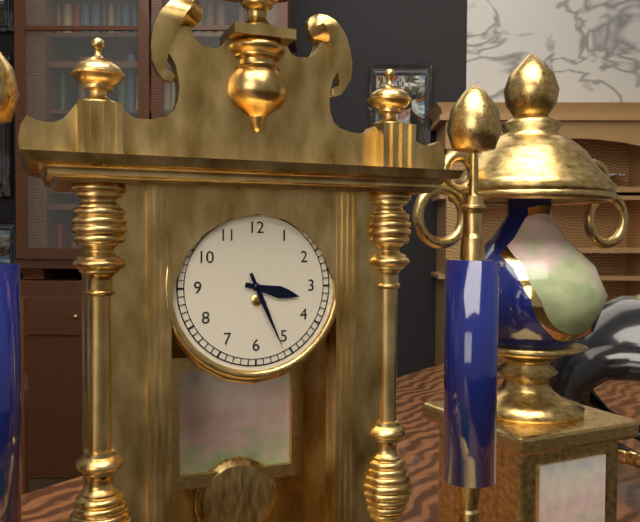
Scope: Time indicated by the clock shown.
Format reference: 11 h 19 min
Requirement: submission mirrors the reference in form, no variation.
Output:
3 h 26 min
